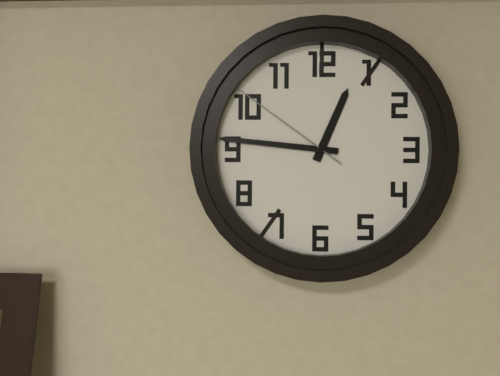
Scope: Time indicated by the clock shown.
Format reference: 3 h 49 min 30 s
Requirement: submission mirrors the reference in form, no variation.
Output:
12 h 46 min 51 s
